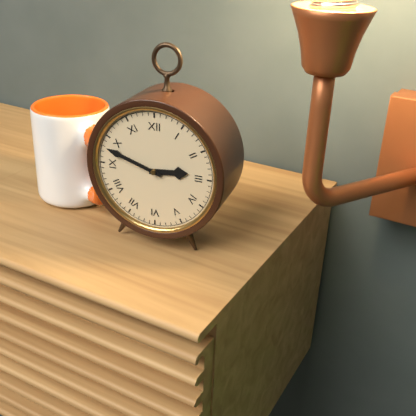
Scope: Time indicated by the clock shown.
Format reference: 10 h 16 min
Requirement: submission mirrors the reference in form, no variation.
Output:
2 h 48 min
